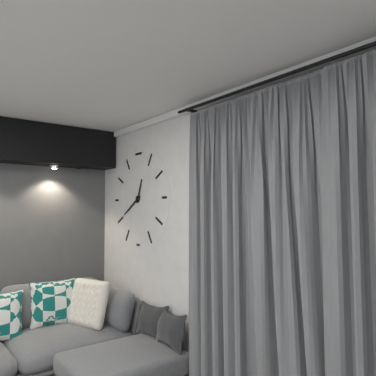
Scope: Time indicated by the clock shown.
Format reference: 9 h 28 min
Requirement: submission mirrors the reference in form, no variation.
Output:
12 h 40 min
